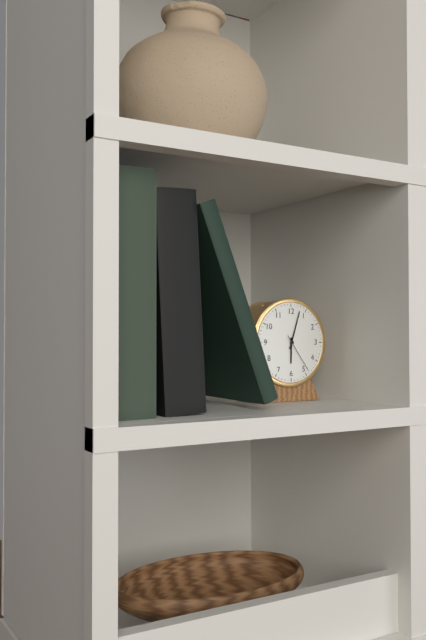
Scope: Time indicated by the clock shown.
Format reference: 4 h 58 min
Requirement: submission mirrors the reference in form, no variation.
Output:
6 h 03 min
